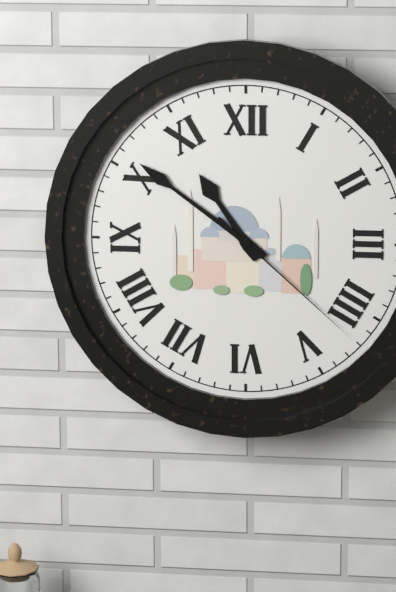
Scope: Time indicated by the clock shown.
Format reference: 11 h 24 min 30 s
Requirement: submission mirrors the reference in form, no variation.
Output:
10 h 51 min 22 s
